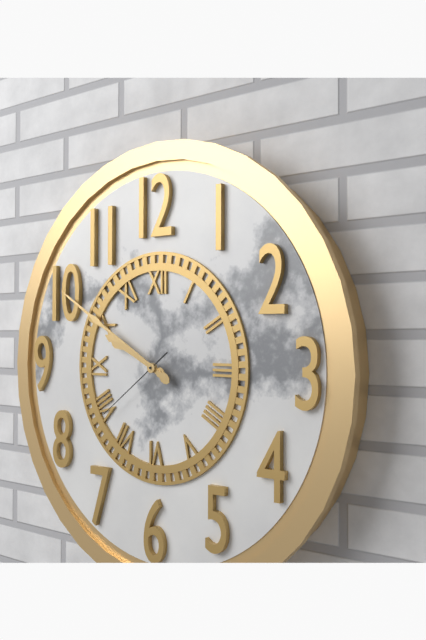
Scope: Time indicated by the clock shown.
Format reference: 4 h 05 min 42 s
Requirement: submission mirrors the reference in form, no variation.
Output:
9 h 50 min 39 s
